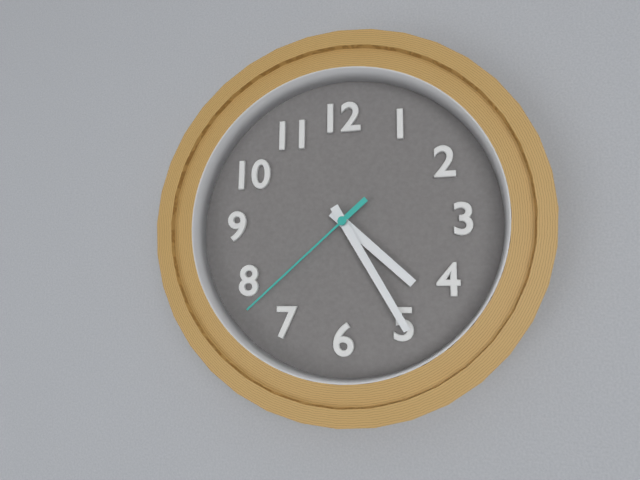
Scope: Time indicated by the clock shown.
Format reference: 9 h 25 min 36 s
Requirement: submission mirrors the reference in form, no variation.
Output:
4 h 25 min 38 s
